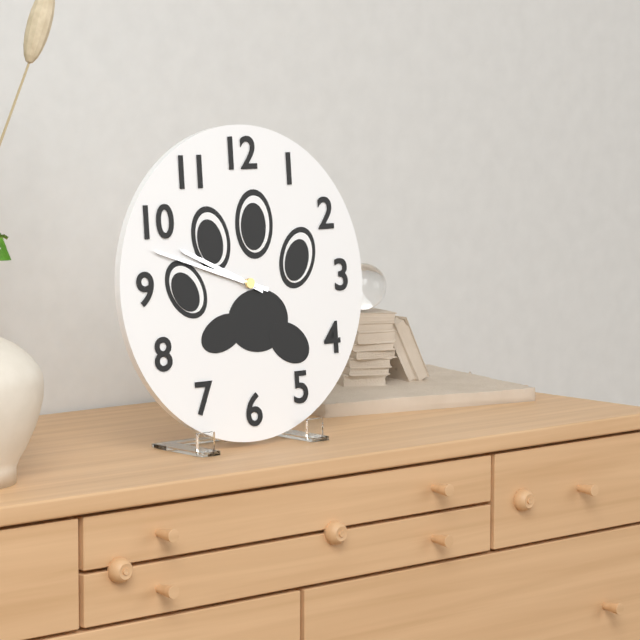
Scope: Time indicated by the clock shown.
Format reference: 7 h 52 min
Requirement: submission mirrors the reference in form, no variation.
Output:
9 h 48 min
